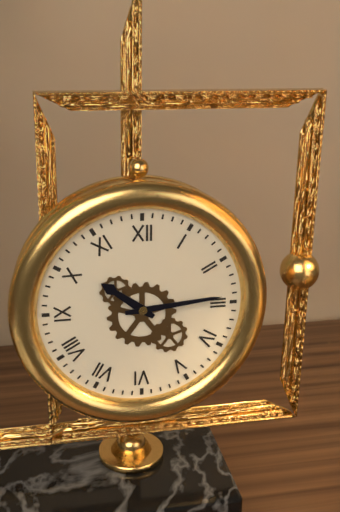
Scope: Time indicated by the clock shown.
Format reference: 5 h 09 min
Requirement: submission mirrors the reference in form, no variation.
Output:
10 h 14 min
